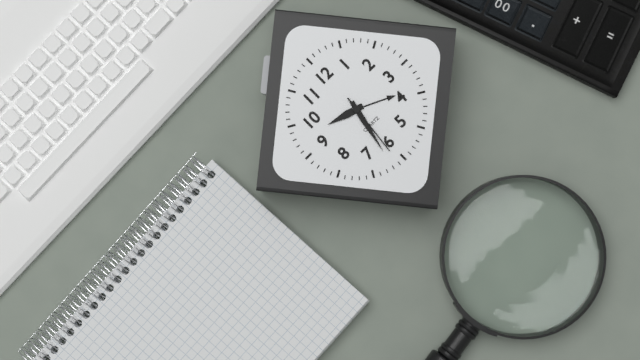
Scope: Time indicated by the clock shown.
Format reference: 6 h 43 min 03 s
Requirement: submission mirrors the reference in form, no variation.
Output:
9 h 32 min 31 s
